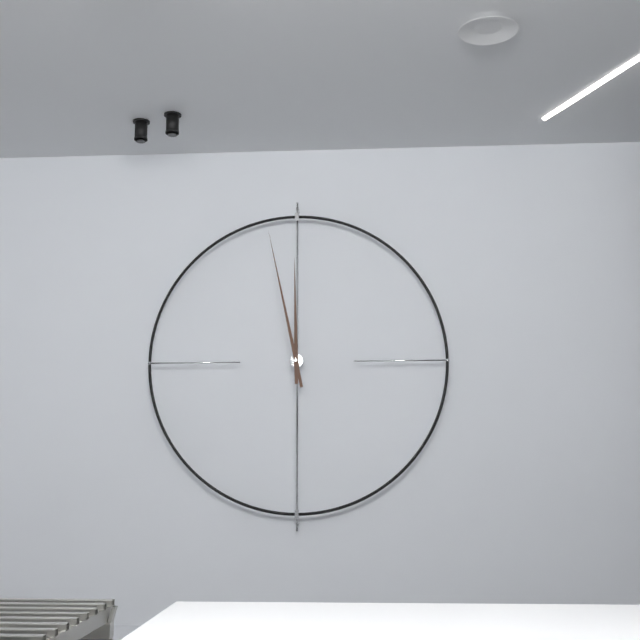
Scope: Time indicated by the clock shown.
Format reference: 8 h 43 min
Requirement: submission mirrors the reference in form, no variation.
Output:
11 h 58 min
